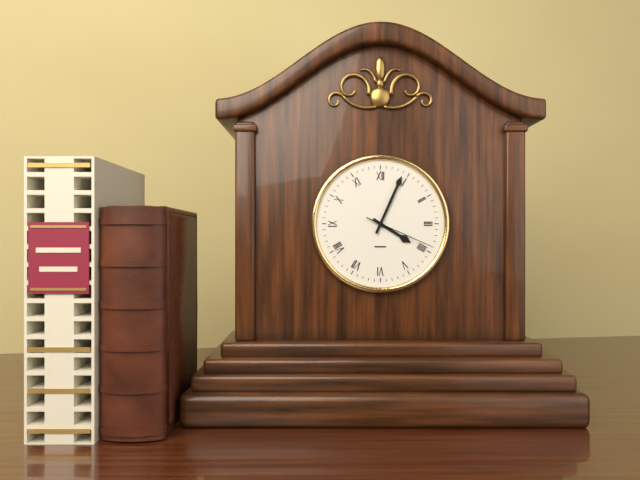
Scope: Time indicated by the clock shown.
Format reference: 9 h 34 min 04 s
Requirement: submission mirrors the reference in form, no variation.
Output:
4 h 04 min 19 s
